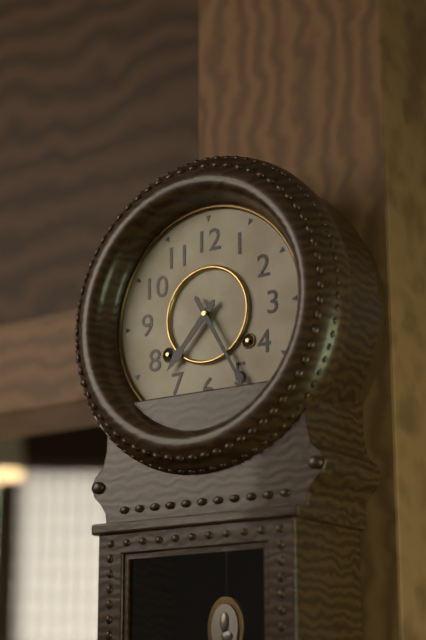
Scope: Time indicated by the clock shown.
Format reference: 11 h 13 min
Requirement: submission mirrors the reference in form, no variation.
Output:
7 h 25 min
